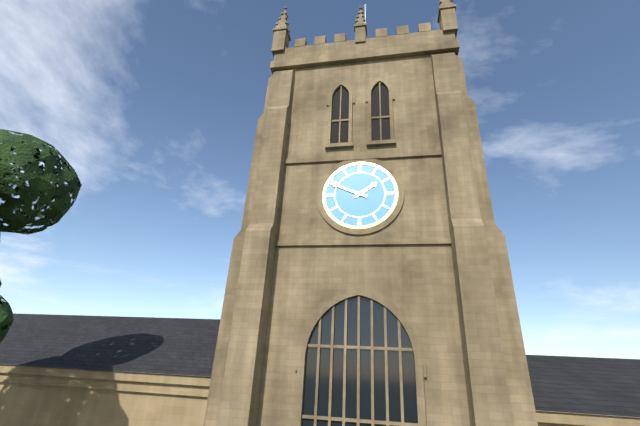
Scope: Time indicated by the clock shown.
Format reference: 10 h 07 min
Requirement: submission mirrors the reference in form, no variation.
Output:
1 h 49 min
